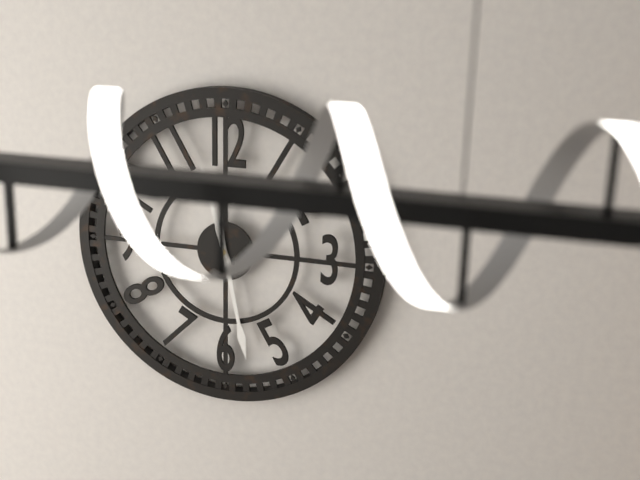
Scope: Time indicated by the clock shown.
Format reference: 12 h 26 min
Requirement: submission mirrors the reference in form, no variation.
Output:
11 h 28 min
